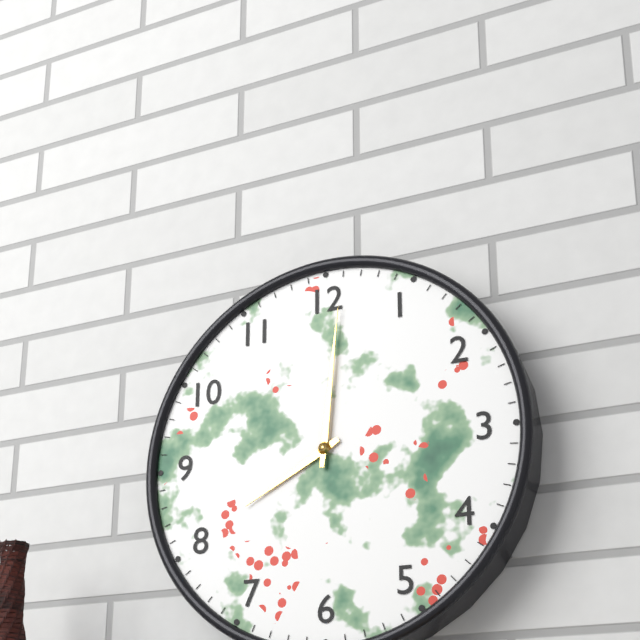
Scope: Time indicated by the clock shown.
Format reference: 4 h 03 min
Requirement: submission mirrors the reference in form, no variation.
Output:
8 h 01 min
